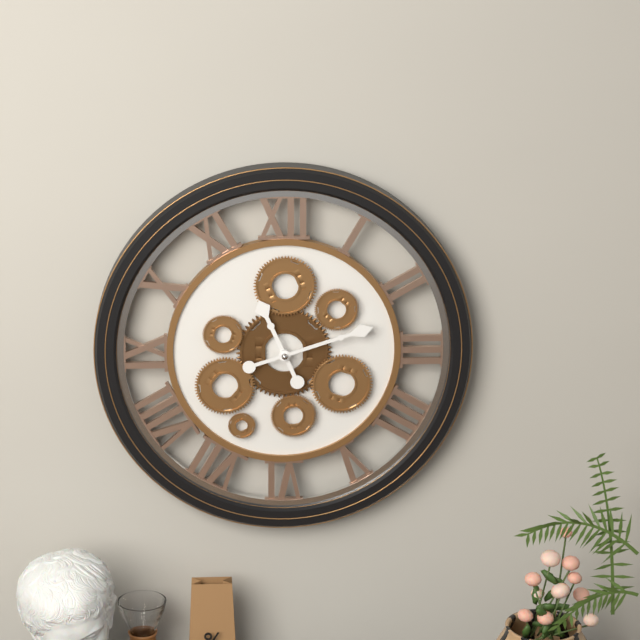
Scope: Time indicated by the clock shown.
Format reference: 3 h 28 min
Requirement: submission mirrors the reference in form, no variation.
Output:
11 h 12 min
